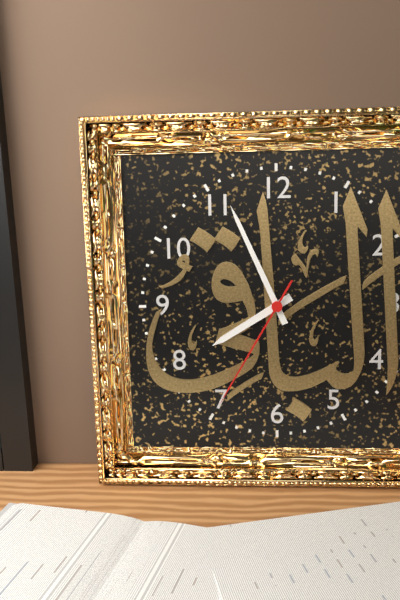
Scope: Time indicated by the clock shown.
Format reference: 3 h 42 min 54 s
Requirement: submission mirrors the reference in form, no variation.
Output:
7 h 56 min 35 s
